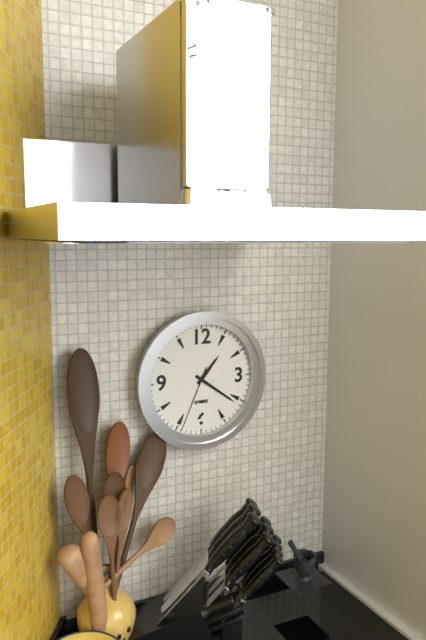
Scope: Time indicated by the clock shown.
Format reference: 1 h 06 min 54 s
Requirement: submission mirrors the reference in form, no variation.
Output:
1 h 21 min 34 s
